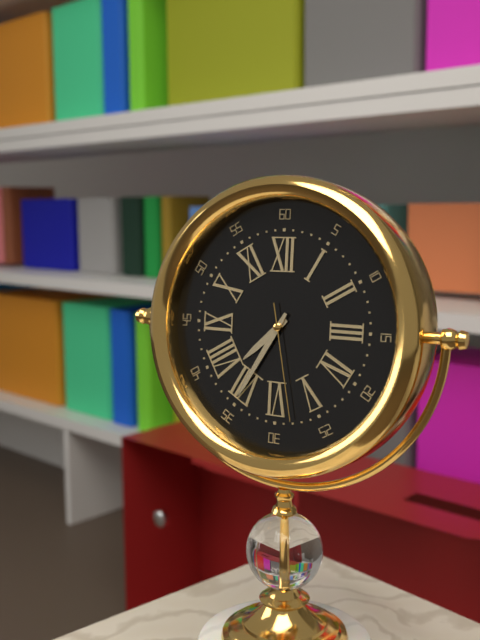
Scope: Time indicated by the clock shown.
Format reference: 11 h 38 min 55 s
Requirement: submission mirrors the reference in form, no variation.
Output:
7 h 35 min 28 s
